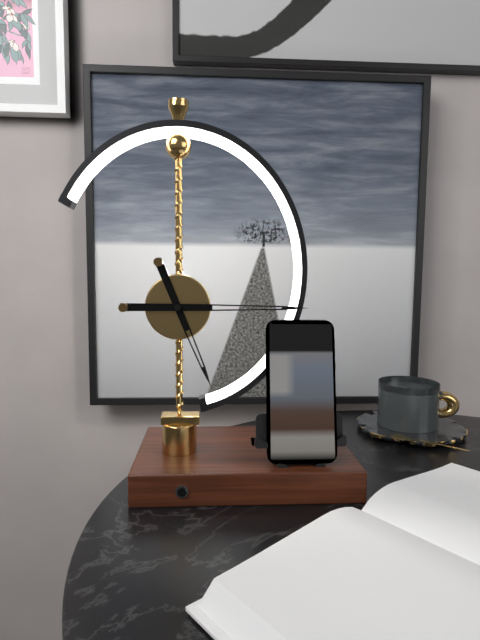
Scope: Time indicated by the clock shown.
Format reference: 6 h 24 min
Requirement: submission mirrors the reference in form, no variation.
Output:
5 h 15 min
